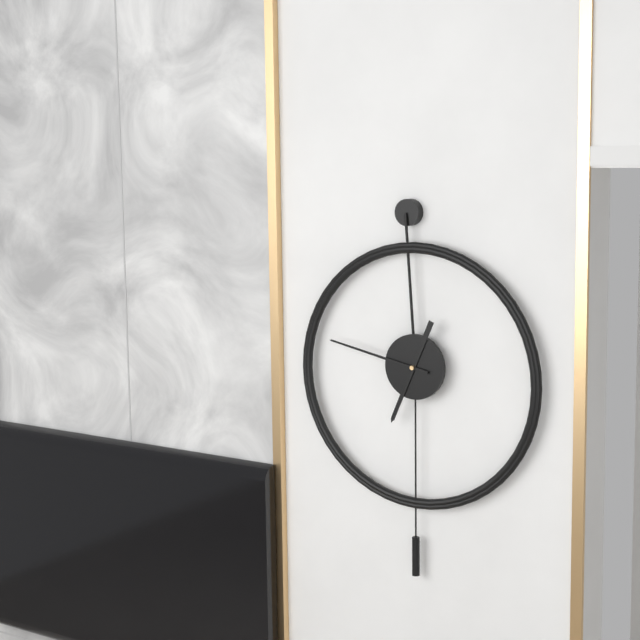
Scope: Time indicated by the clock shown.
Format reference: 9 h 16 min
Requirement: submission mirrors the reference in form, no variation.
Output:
6 h 47 min
